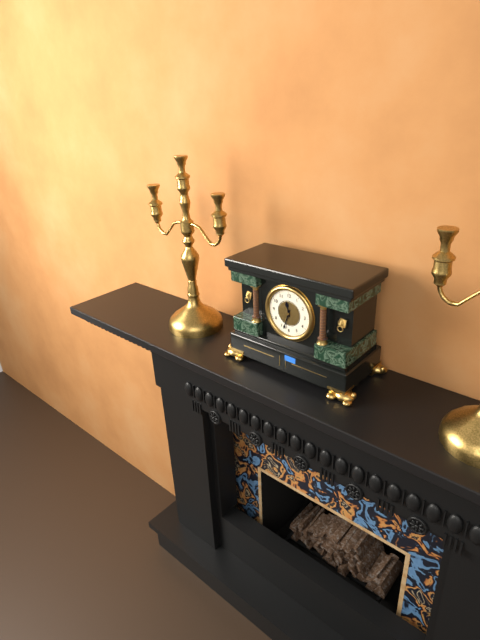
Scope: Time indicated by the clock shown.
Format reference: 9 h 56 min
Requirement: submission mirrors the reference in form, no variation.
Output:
11 h 33 min
